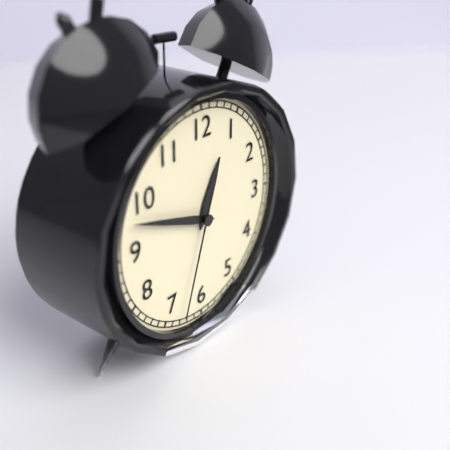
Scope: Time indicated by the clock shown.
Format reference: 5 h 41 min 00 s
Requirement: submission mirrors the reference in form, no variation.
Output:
12 h 48 min 33 s
